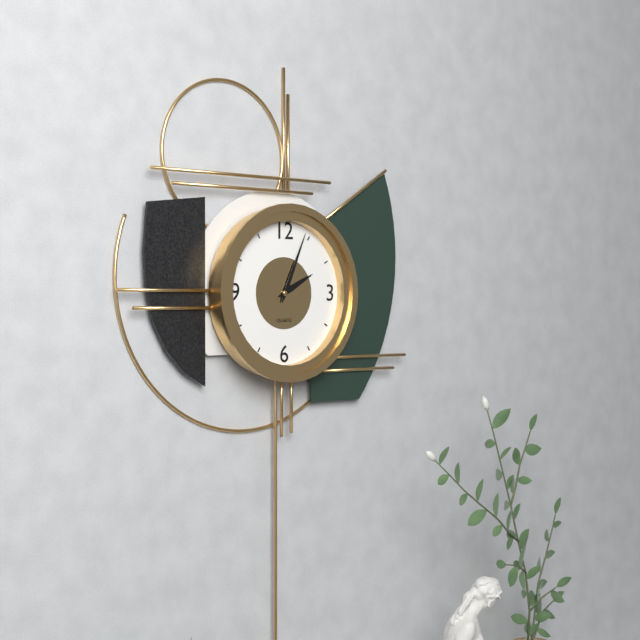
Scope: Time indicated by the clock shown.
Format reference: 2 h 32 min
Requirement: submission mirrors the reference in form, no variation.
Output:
2 h 04 min
